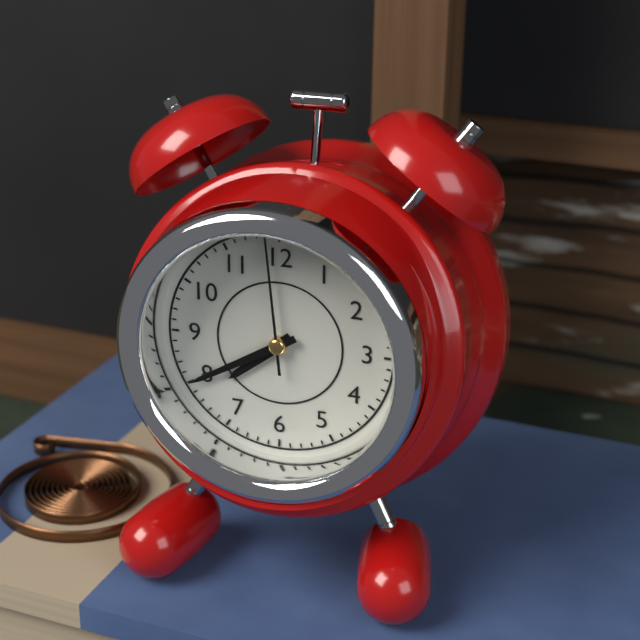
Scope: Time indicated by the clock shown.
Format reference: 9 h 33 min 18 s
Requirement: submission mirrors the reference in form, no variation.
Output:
7 h 40 min 59 s
